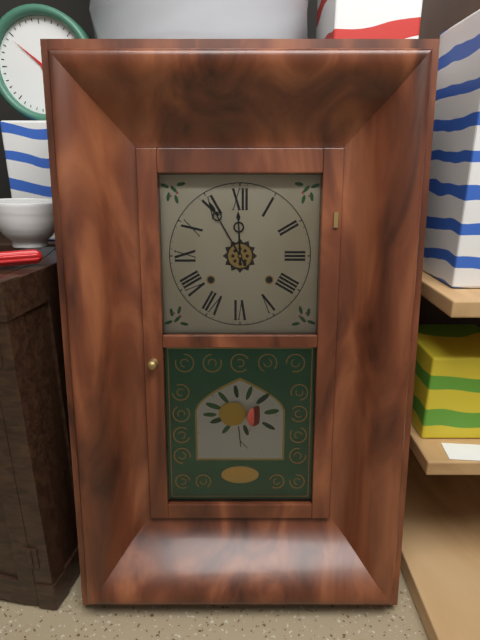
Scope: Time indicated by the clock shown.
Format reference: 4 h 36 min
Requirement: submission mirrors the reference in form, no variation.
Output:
11 h 55 min
